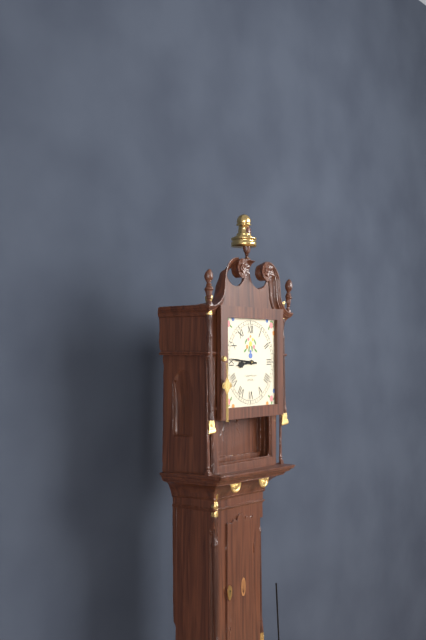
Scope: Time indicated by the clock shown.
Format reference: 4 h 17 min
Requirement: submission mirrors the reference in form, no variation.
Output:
8 h 46 min
